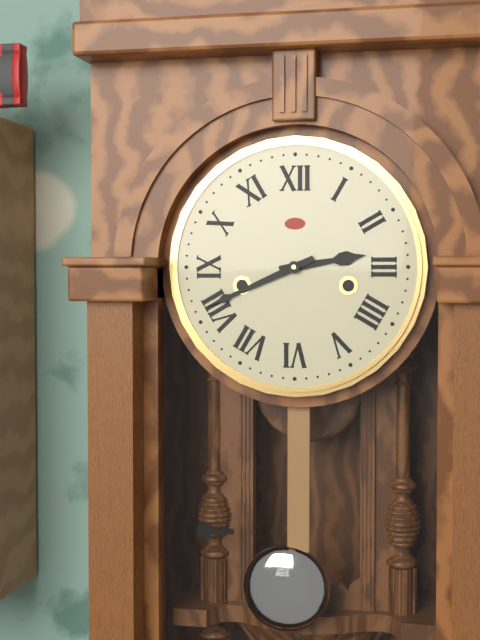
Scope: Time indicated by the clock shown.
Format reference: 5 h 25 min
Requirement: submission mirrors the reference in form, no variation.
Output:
2 h 41 min
